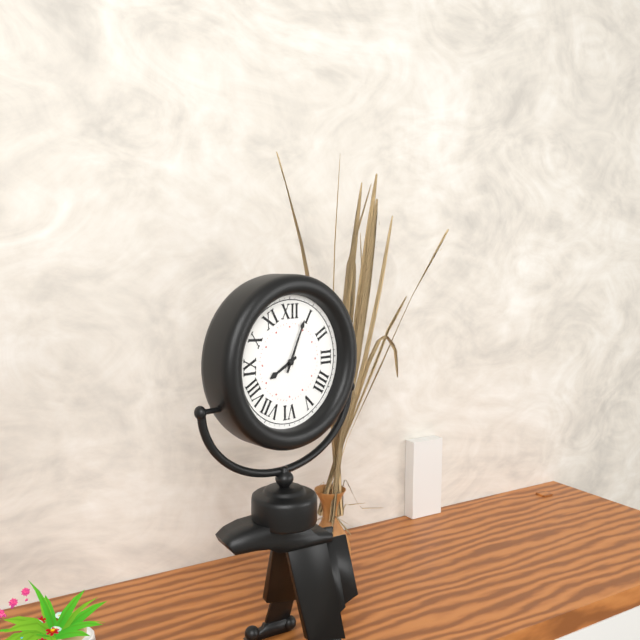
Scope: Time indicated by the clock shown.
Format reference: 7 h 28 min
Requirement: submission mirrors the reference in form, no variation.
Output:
8 h 04 min
